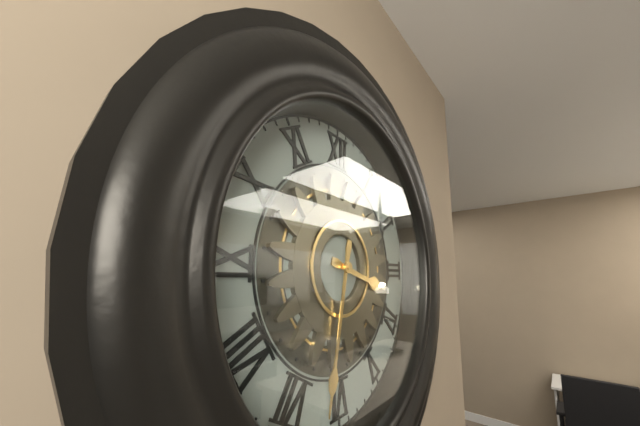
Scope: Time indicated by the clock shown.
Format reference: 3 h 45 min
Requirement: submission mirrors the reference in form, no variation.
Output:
3 h 32 min
